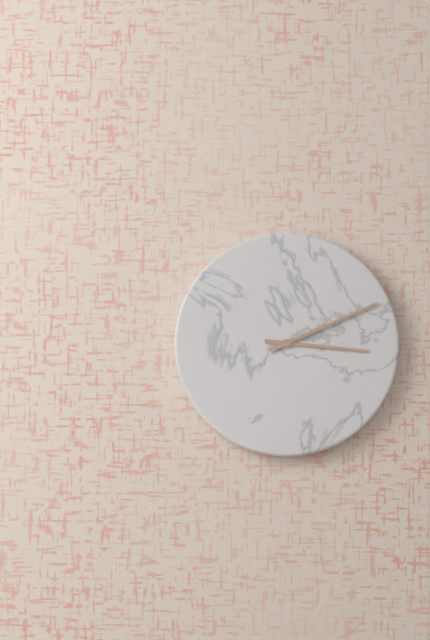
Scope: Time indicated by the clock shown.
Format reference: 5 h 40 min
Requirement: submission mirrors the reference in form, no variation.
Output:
3 h 11 min
